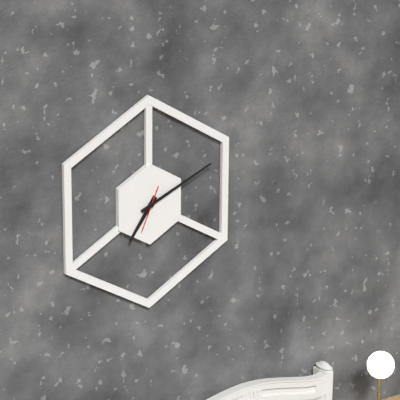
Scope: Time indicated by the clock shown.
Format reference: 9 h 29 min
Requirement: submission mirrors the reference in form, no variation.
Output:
7 h 11 min
